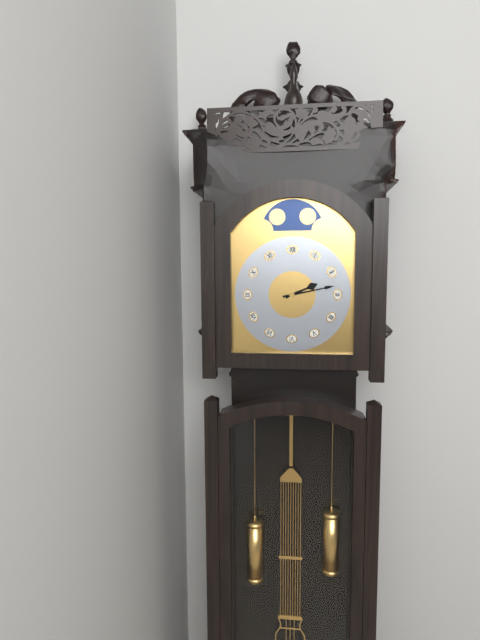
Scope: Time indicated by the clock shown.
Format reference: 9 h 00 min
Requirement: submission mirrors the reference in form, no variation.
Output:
2 h 13 min
